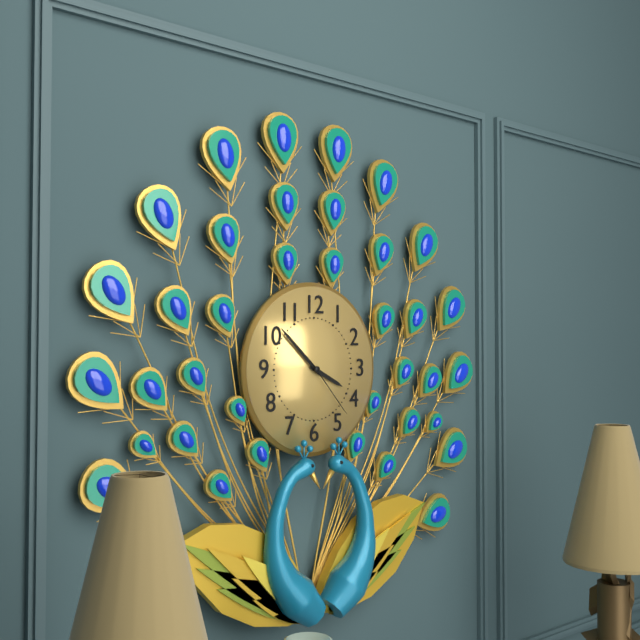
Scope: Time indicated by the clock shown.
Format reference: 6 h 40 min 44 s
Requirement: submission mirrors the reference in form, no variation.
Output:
3 h 52 min 23 s
